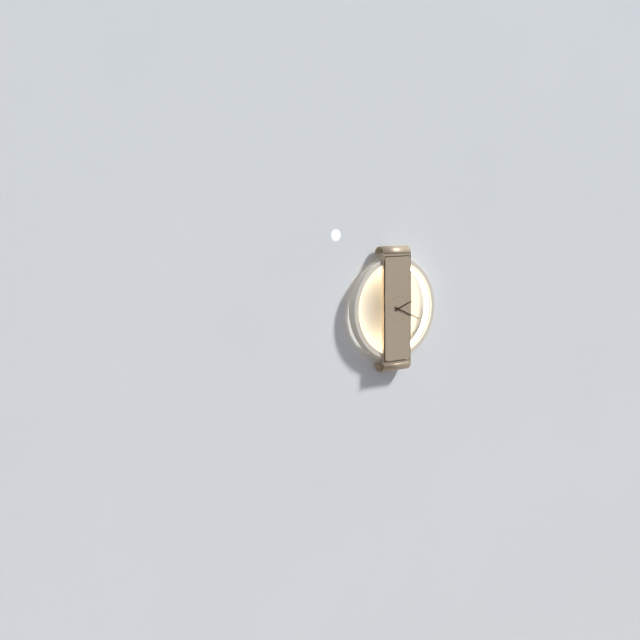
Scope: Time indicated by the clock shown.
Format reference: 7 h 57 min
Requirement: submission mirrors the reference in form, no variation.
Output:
2 h 19 min
